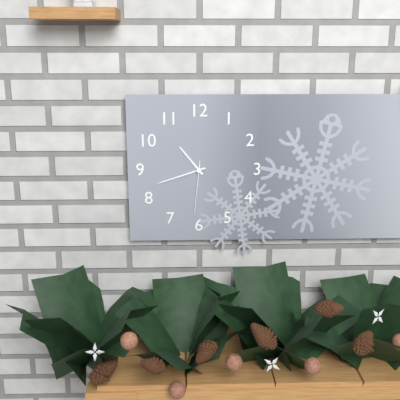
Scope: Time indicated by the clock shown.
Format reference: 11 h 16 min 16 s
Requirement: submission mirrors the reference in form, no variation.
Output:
10 h 42 min 31 s
